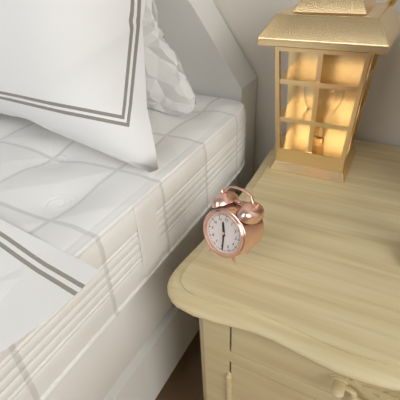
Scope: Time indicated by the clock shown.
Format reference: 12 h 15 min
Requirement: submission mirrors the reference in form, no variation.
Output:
11 h 29 min
